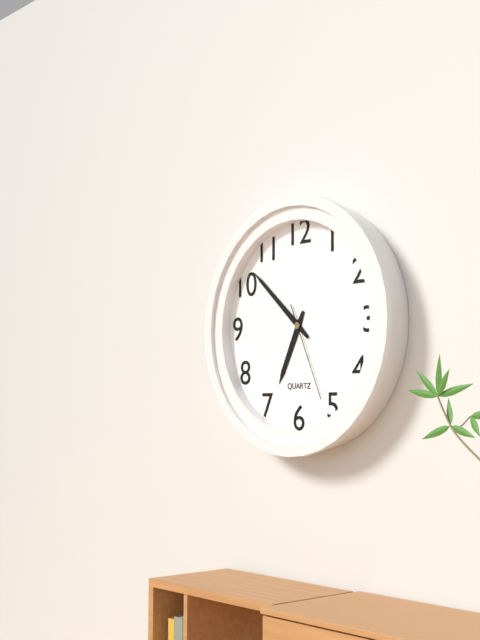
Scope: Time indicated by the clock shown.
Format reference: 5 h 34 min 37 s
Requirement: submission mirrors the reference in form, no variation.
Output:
6 h 52 min 26 s
